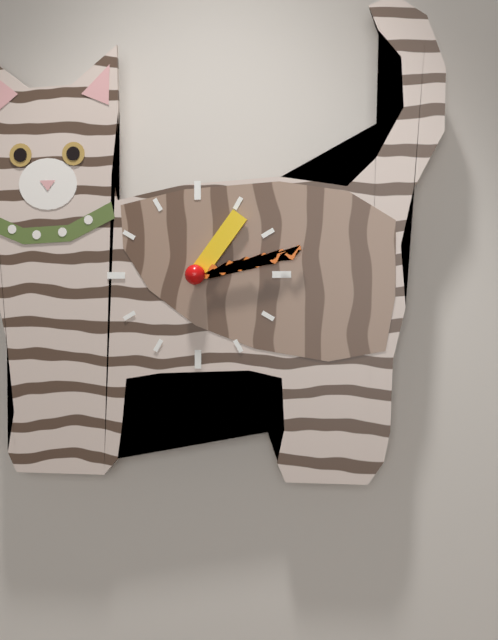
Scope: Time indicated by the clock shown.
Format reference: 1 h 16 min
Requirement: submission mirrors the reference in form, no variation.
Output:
1 h 13 min
